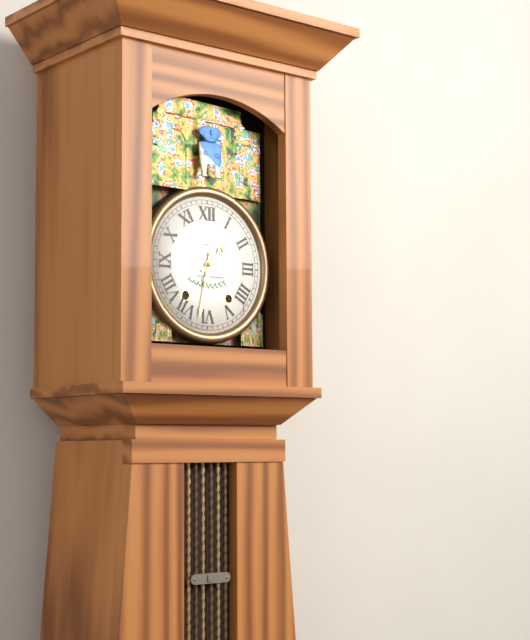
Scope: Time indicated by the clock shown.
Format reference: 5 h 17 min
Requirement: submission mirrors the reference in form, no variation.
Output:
1 h 32 min
